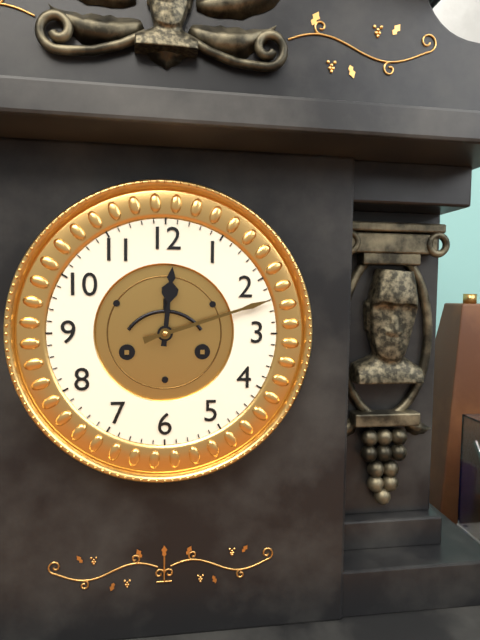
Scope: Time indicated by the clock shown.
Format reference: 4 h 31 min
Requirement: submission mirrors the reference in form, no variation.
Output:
12 h 12 min
